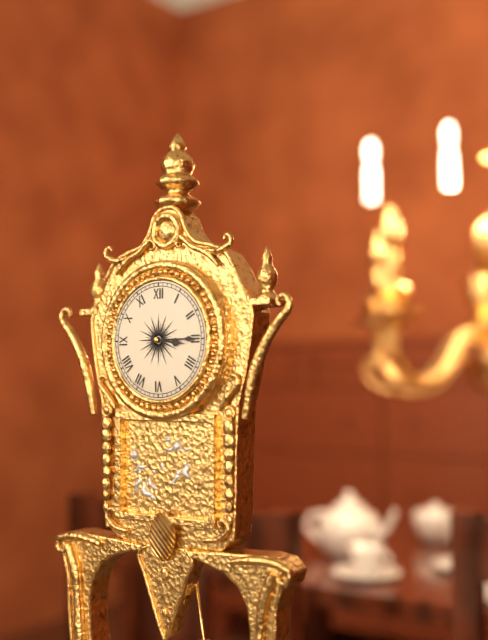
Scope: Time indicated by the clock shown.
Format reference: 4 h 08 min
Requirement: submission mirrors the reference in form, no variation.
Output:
3 h 15 min
